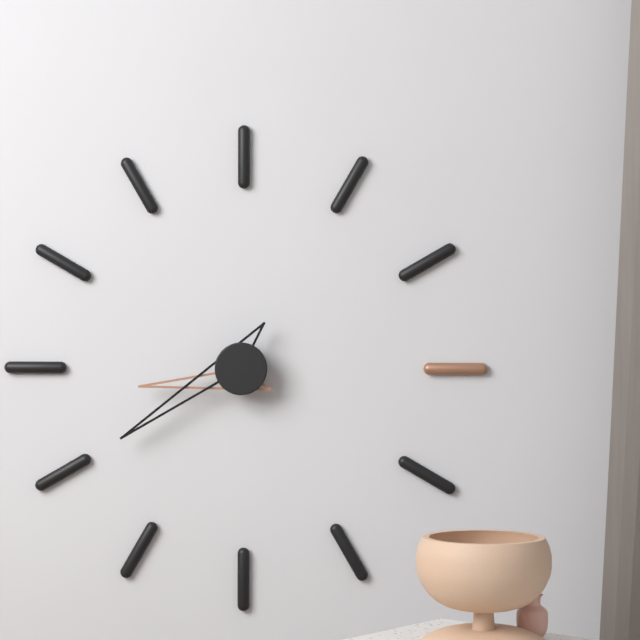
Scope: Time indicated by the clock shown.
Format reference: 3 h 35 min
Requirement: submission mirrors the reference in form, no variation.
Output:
8 h 40 min
